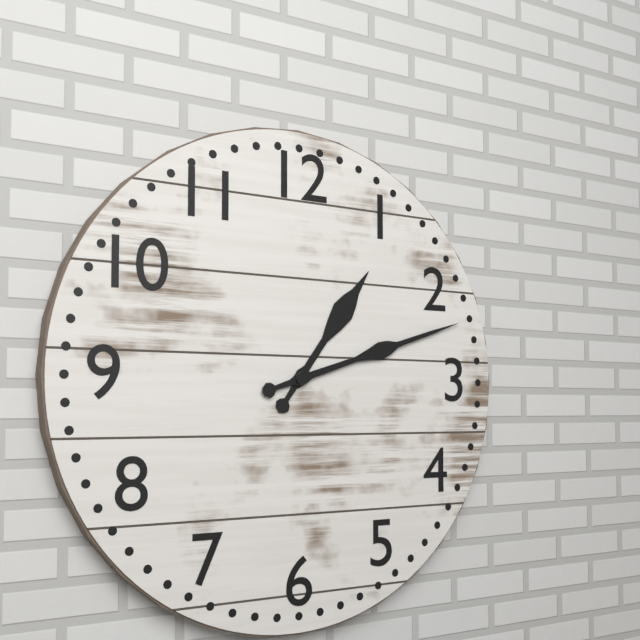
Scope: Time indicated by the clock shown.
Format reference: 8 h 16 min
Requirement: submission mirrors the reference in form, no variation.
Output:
1 h 12 min
